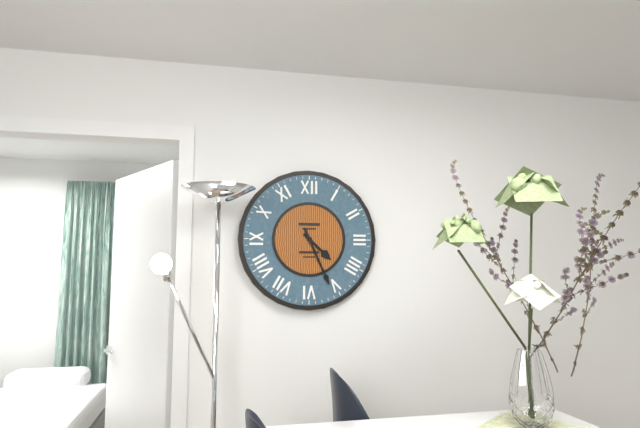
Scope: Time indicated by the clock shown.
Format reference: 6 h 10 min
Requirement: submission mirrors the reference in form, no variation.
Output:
4 h 26 min
